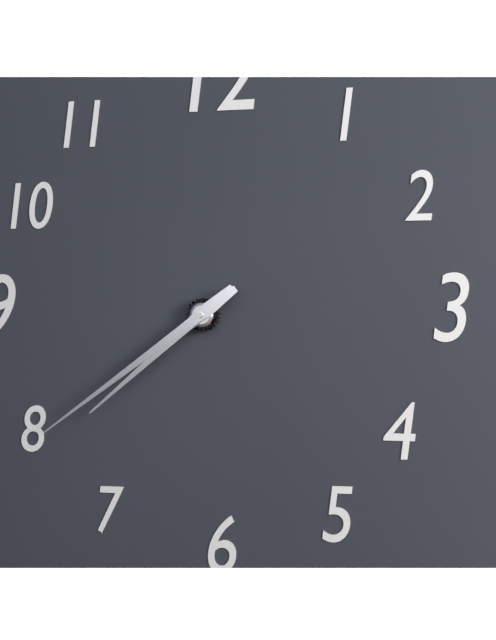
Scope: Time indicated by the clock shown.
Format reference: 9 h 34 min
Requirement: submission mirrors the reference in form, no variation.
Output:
7 h 39 min
